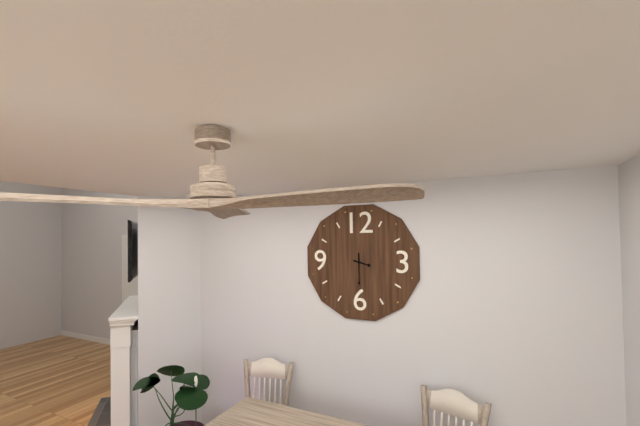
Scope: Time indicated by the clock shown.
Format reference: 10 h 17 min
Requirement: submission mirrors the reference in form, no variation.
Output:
3 h 30 min
